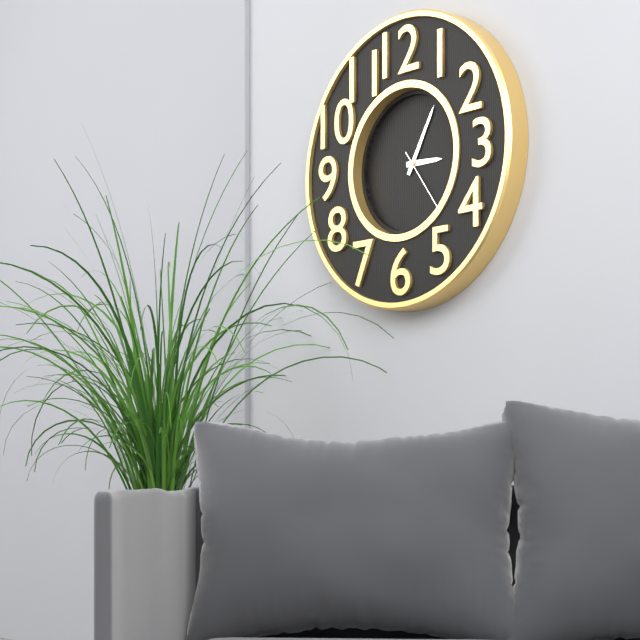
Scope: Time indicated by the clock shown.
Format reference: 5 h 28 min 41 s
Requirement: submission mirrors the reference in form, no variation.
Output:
3 h 05 min 24 s
